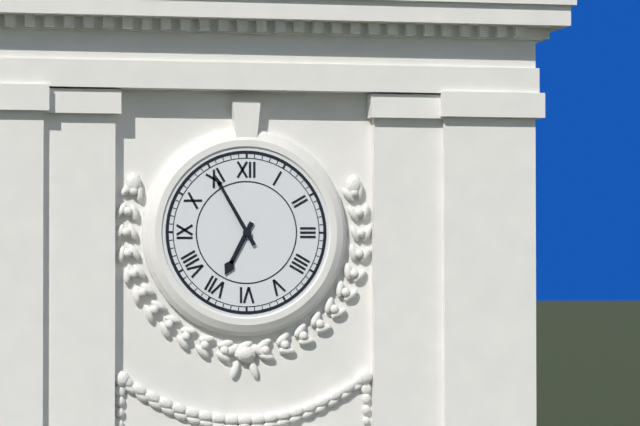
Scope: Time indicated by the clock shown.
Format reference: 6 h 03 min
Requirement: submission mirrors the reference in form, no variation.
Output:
6 h 55 min
